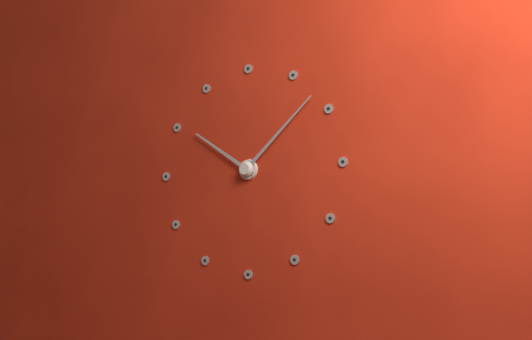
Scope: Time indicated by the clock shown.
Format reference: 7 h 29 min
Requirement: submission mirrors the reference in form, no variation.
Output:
10 h 08 min
